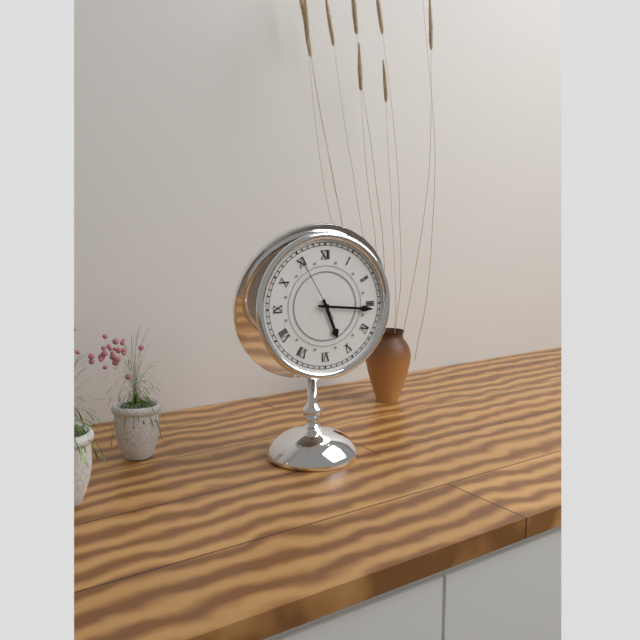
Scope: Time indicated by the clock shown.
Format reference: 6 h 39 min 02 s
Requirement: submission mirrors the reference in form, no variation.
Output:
5 h 16 min 55 s
